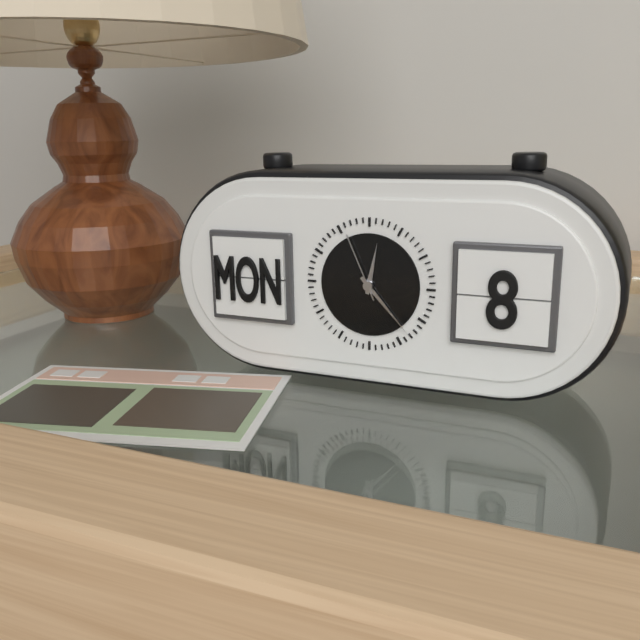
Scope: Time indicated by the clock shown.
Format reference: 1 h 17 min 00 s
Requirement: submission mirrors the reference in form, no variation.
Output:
12 h 23 min 56 s
